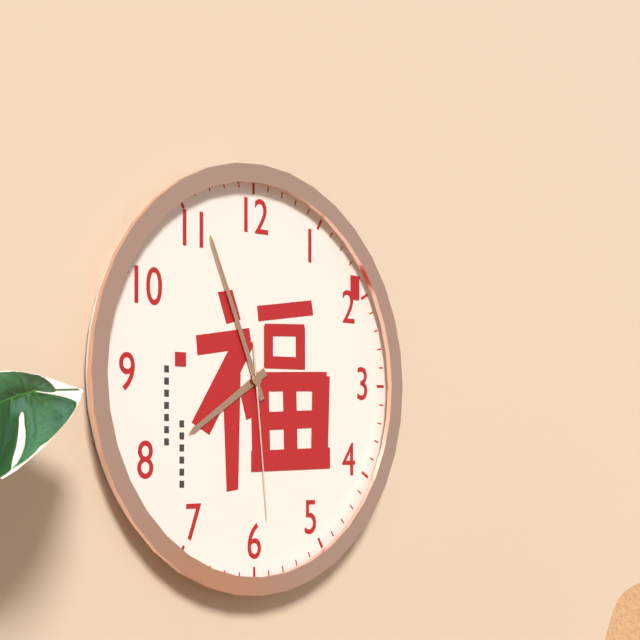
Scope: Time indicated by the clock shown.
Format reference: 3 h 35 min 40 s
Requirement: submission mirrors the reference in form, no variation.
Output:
7 h 56 min 29 s
